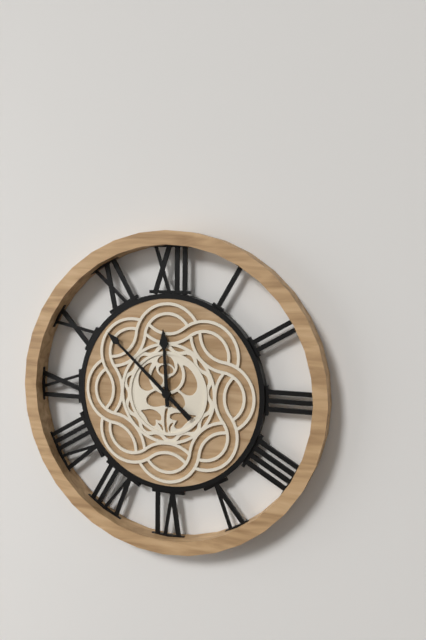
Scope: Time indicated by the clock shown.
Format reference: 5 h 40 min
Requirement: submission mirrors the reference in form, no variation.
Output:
11 h 52 min
